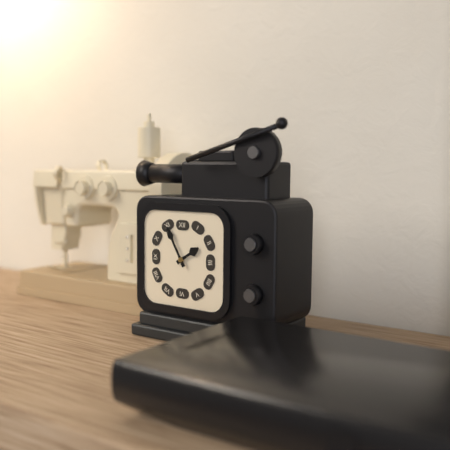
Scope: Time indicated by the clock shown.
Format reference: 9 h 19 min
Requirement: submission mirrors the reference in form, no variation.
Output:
1 h 55 min
